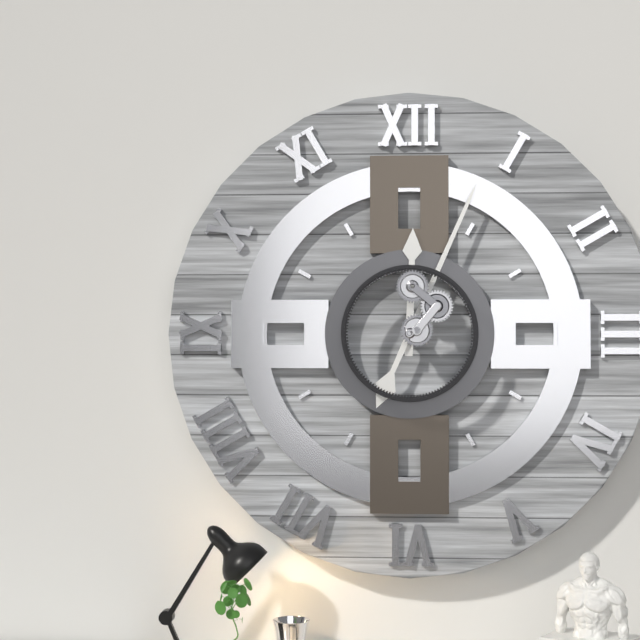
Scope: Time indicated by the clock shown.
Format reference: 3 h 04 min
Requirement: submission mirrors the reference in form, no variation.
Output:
12 h 04 min
